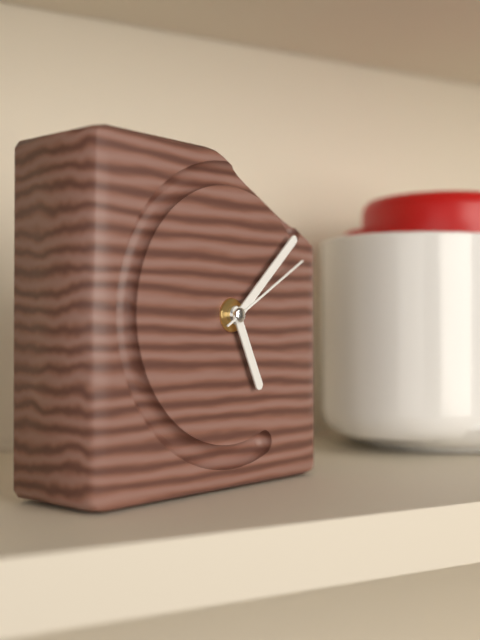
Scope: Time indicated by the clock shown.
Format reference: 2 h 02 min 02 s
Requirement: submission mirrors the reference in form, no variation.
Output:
5 h 08 min 10 s
